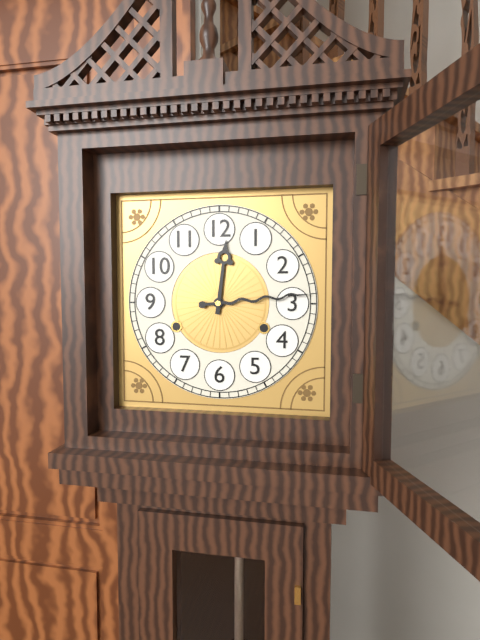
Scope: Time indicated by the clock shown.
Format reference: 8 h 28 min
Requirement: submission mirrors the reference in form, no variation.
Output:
12 h 14 min
